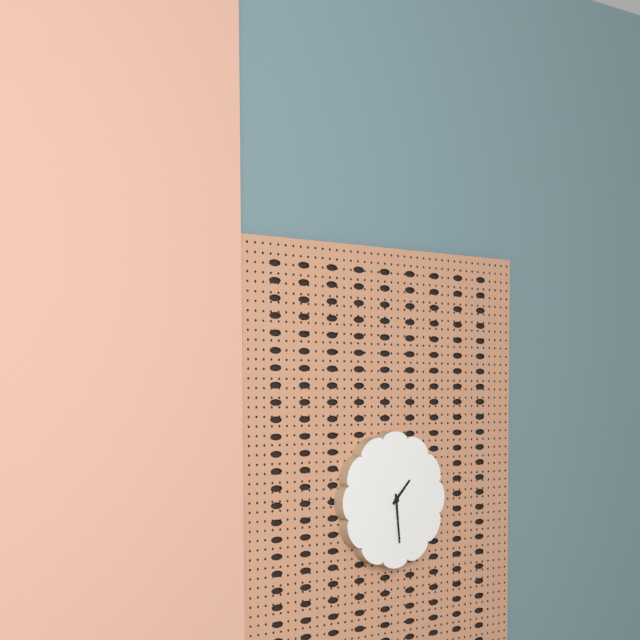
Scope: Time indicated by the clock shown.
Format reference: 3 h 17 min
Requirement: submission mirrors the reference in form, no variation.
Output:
1 h 29 min
